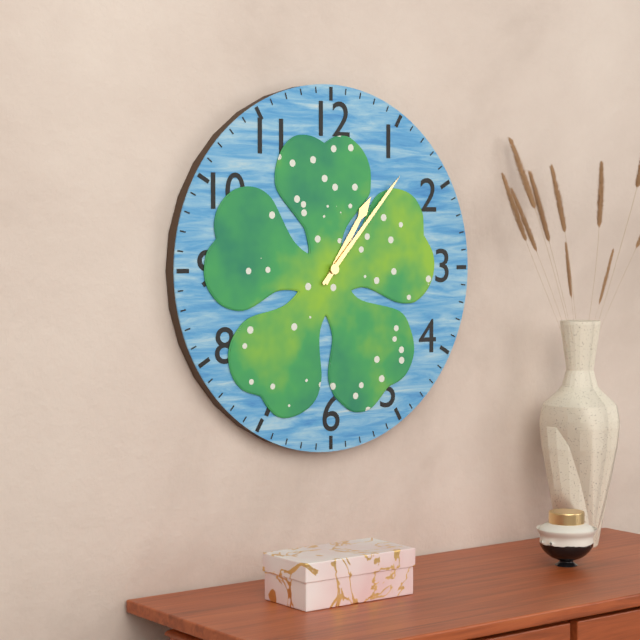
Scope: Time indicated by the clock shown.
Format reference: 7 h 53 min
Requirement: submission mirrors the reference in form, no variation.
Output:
1 h 07 min
